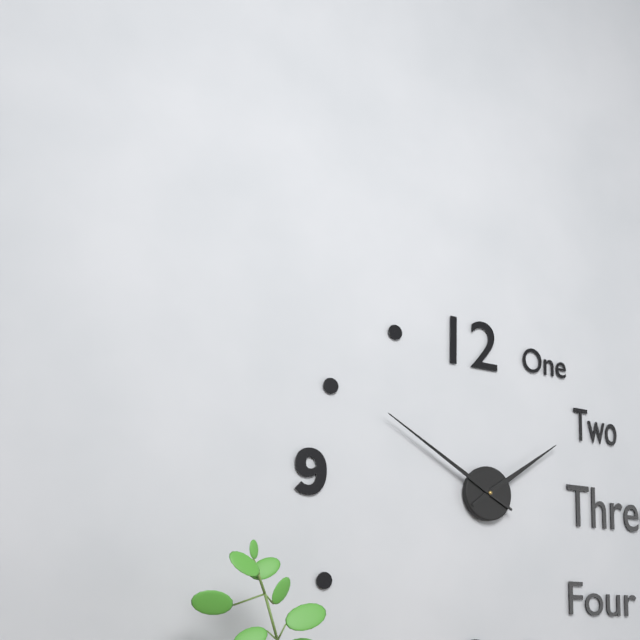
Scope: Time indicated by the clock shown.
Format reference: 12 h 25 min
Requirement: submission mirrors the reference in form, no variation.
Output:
1 h 50 min
